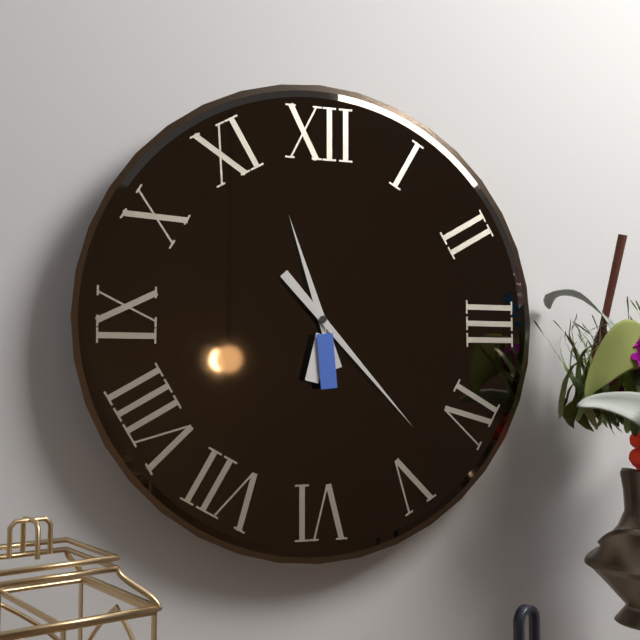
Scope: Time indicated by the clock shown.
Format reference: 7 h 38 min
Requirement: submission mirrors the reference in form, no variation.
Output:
11 h 23 min
